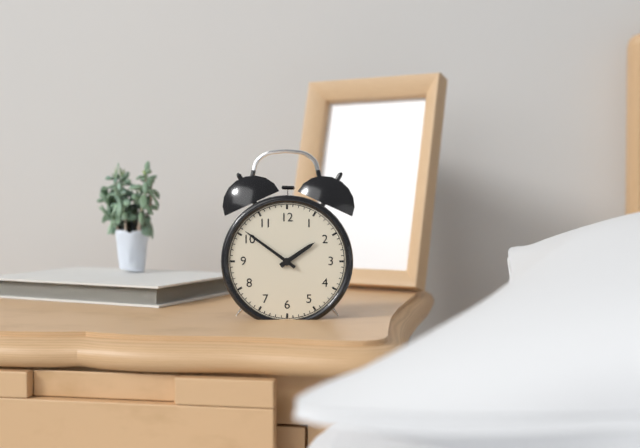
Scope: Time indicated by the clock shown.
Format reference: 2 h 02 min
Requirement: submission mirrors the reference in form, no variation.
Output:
1 h 51 min
